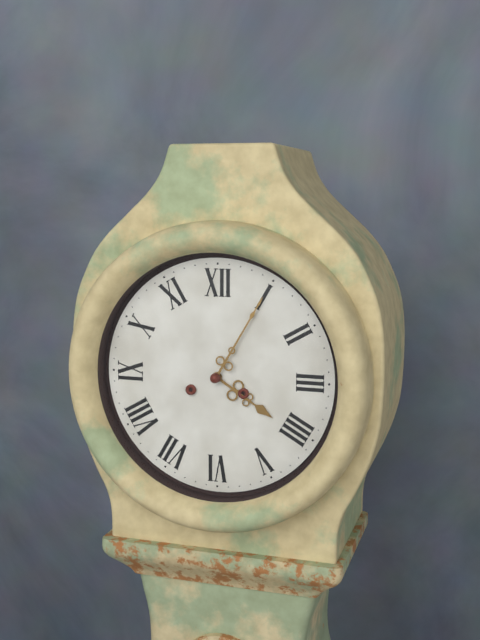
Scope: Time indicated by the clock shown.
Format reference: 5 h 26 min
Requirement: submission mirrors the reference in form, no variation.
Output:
4 h 05 min
